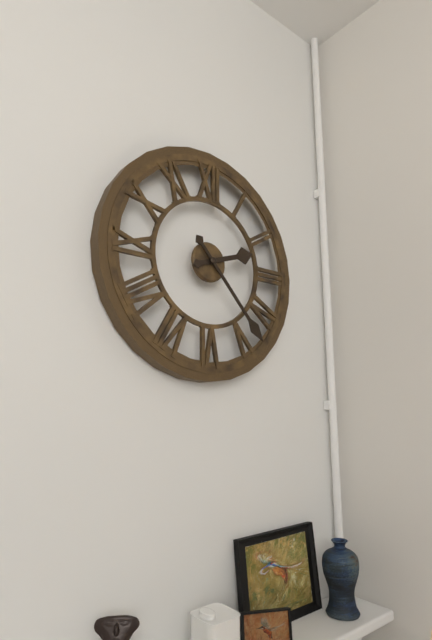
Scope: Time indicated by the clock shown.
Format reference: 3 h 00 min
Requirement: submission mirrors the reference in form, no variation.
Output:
2 h 23 min
